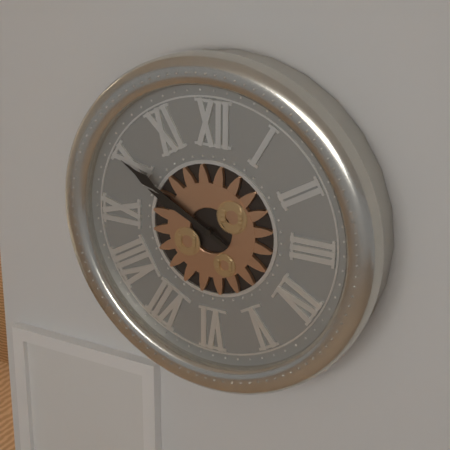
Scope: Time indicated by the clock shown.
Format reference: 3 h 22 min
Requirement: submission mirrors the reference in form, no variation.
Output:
9 h 50 min
